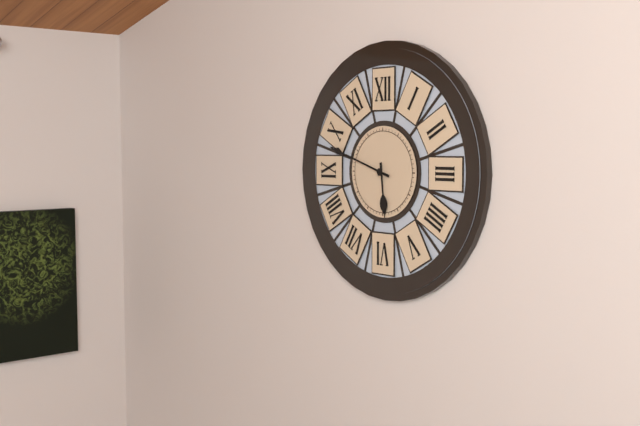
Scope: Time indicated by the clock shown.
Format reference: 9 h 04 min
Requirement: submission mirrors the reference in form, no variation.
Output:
5 h 48 min
